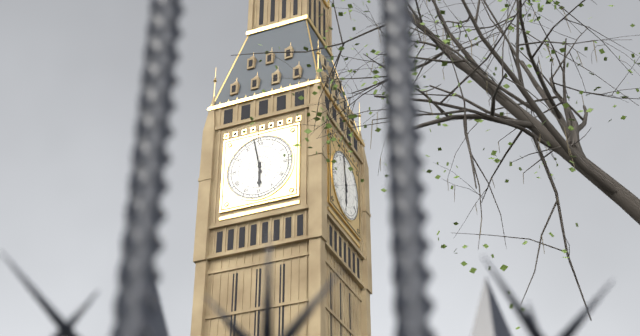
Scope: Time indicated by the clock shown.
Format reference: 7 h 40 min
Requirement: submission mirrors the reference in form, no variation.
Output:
5 h 58 min
